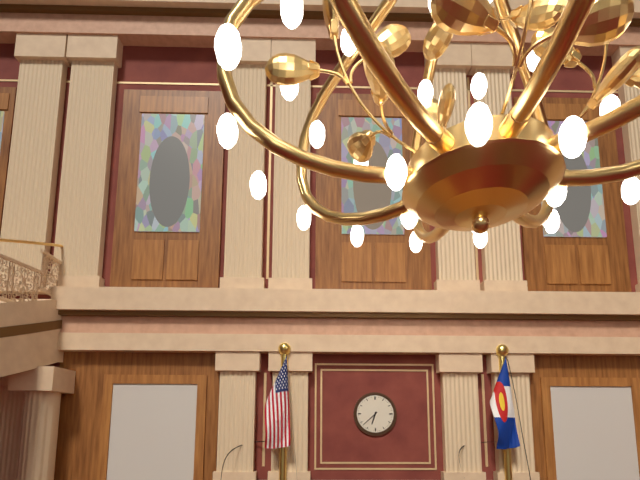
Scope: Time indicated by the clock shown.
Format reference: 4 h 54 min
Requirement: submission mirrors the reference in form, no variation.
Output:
6 h 38 min
